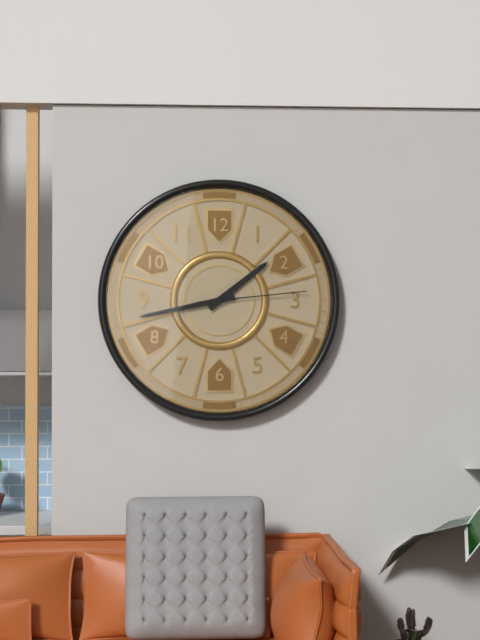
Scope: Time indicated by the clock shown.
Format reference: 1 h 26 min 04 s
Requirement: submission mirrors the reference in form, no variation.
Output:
1 h 43 min 14 s
